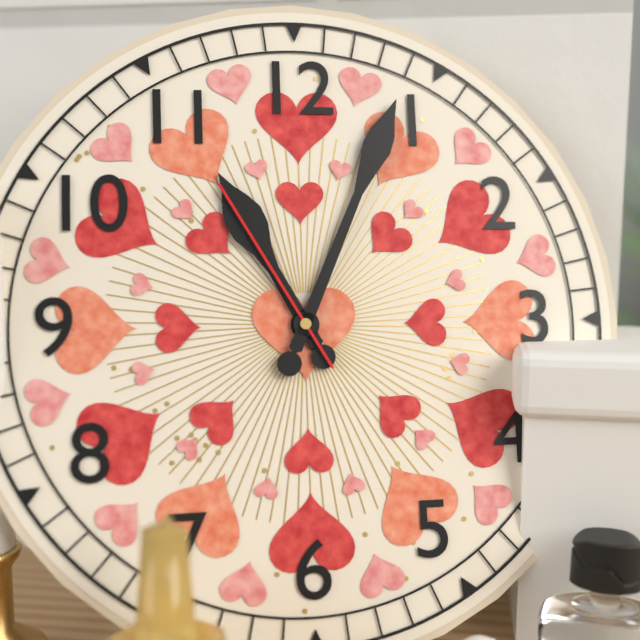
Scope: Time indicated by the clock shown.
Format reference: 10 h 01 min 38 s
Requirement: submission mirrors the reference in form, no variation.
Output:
11 h 04 min 55 s
